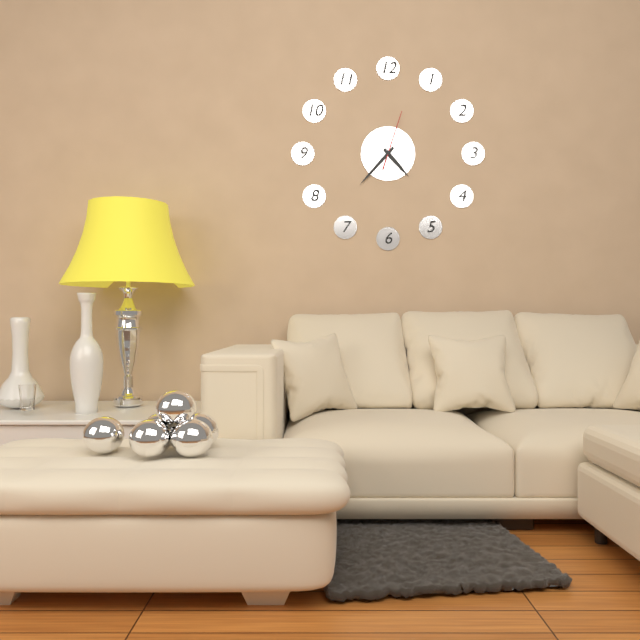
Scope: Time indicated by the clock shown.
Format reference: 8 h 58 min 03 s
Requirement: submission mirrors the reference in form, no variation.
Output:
4 h 37 min 03 s
